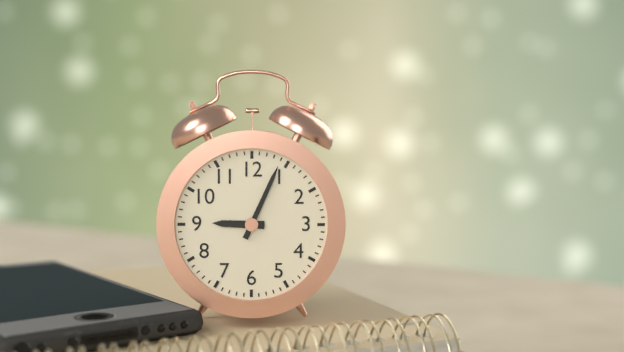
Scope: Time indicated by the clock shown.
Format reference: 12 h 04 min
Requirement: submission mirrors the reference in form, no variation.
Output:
9 h 04 min
